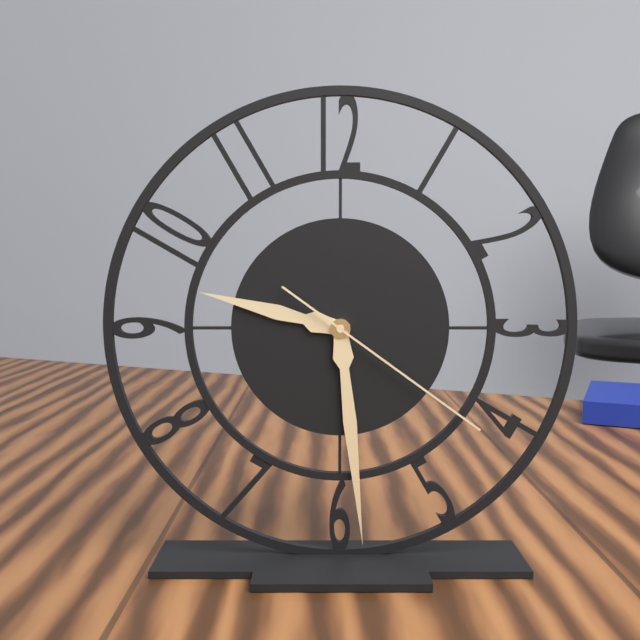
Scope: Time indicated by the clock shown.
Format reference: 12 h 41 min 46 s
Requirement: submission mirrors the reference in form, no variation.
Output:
9 h 29 min 21 s
